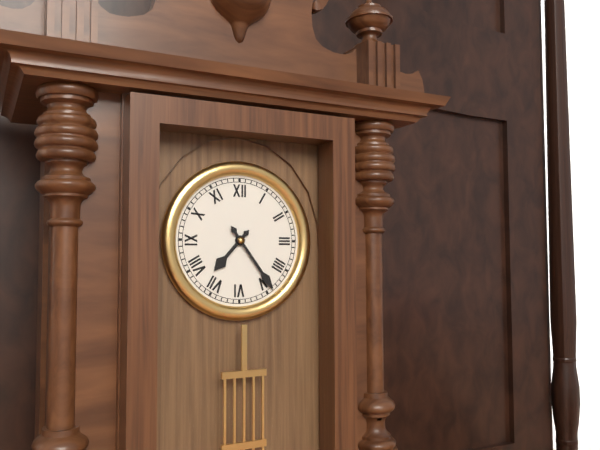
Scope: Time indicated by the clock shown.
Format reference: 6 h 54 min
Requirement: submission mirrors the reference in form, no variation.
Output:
7 h 24 min
